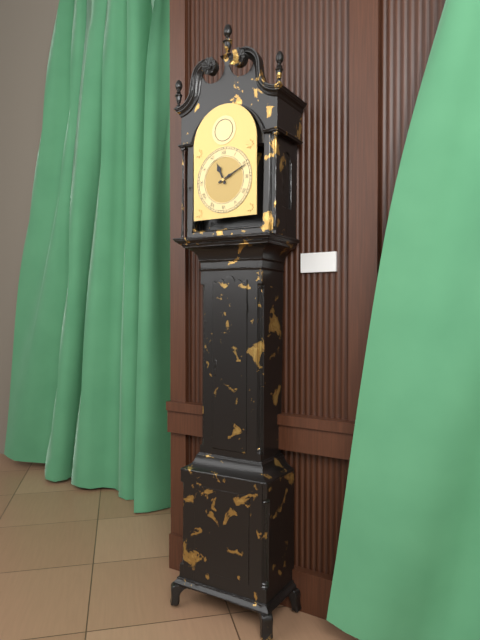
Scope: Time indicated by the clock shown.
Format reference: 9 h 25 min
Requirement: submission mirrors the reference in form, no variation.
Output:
11 h 11 min
